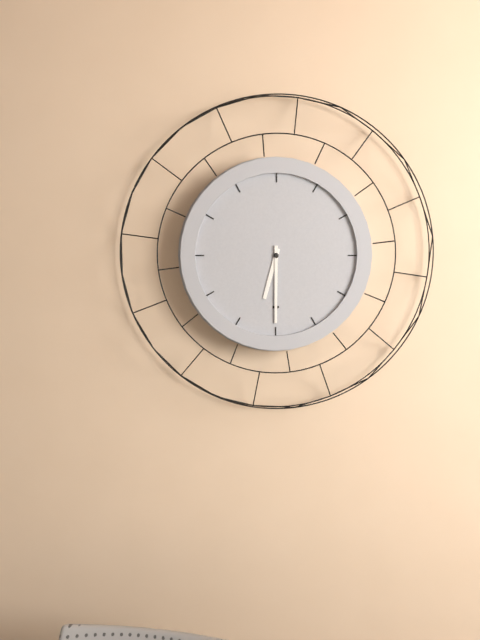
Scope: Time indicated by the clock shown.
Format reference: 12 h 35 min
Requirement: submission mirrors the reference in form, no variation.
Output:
6 h 30 min
